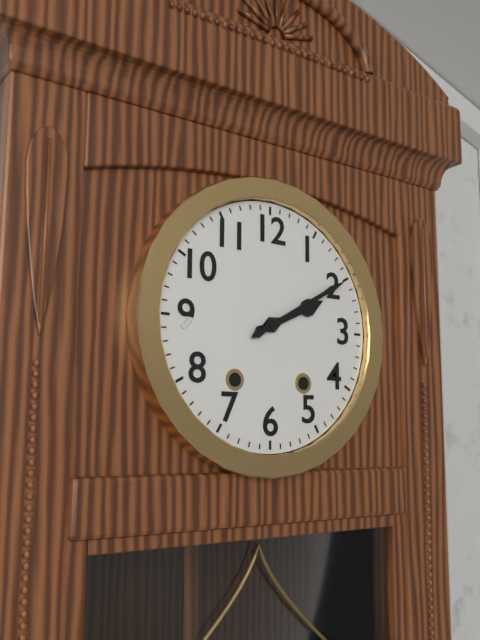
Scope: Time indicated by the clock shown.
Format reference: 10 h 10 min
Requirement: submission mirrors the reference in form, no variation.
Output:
2 h 10 min
